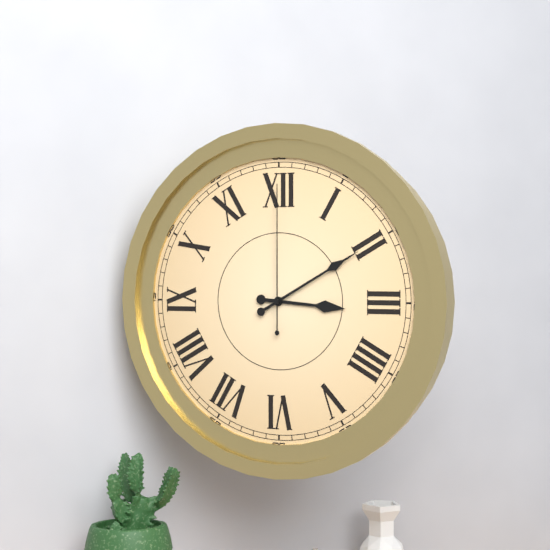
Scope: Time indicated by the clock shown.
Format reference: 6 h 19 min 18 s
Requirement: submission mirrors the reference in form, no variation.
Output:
3 h 10 min 00 s
